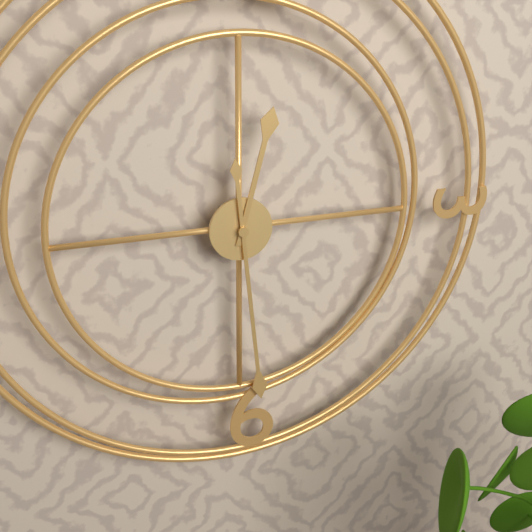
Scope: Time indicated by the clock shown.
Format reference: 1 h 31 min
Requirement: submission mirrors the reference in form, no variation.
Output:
12 h 29 min
